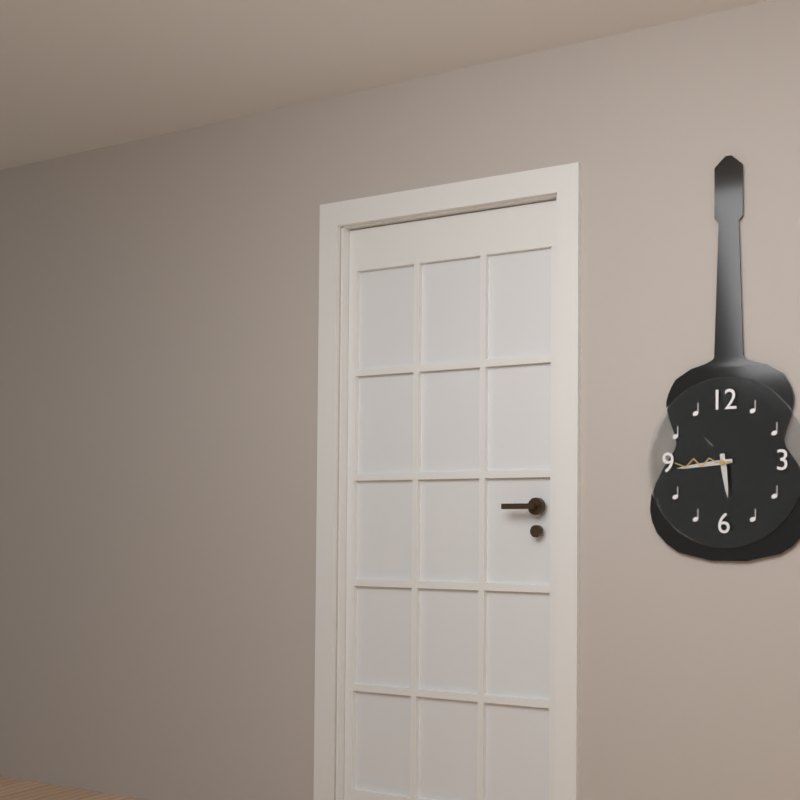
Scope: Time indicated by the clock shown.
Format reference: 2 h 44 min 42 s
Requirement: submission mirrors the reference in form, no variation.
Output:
5 h 44 min 45 s
